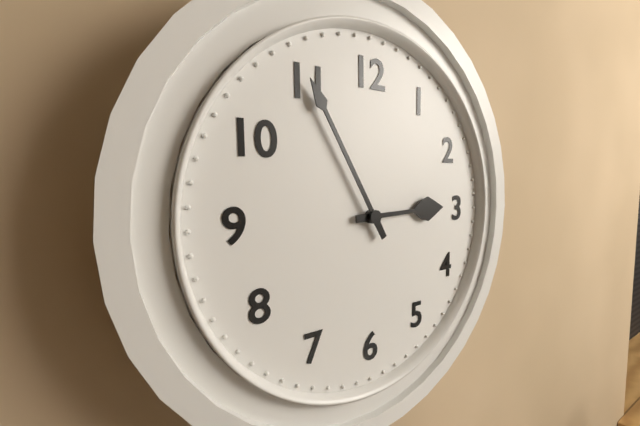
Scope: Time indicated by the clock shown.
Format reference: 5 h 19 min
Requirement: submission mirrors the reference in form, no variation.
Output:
2 h 55 min
